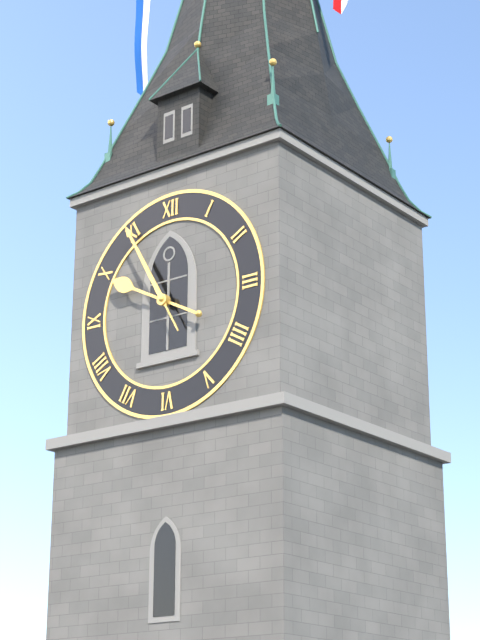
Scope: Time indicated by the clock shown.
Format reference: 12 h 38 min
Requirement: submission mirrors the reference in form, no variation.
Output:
9 h 55 min
